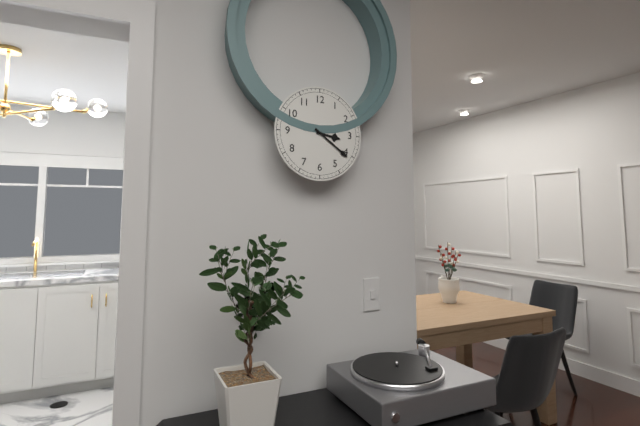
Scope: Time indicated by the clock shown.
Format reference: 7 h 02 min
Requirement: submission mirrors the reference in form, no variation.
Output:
3 h 21 min
